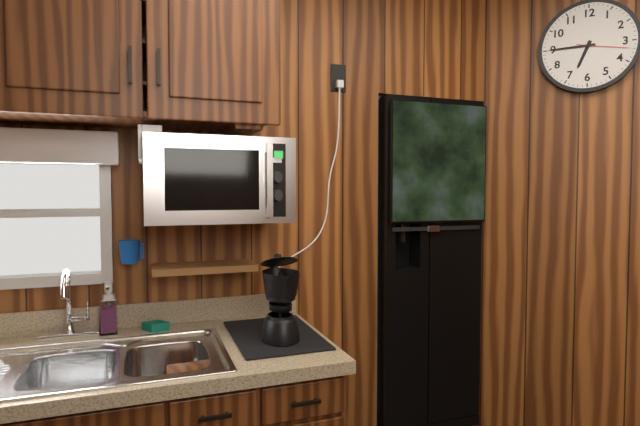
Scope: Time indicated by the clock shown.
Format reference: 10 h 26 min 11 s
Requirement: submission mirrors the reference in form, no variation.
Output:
6 h 45 min 17 s
